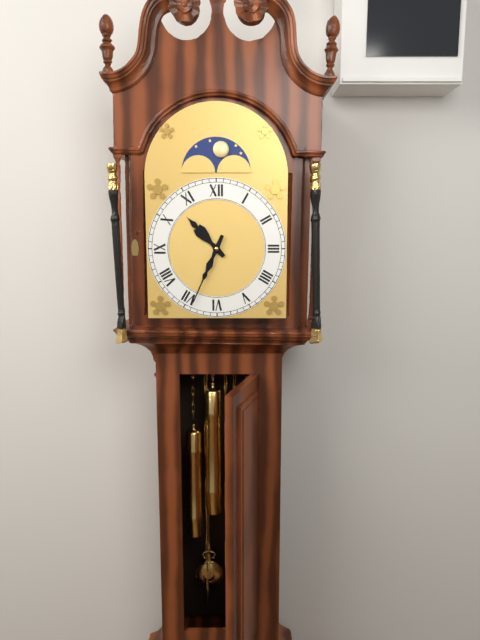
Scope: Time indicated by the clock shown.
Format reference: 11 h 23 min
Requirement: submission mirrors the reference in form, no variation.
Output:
10 h 34 min
